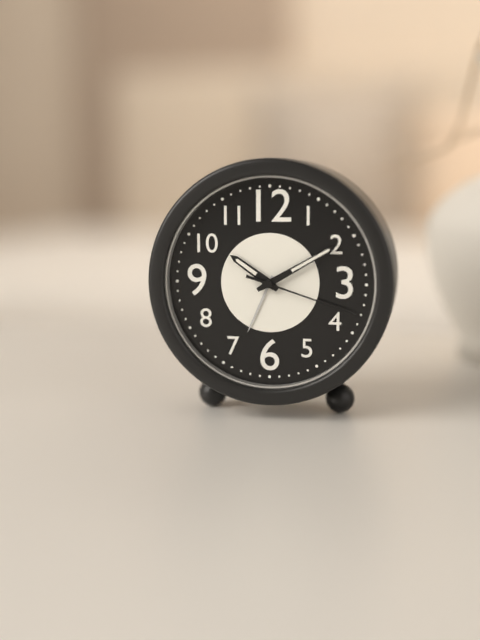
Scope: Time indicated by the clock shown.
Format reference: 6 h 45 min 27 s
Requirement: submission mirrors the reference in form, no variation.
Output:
10 h 10 min 18 s
